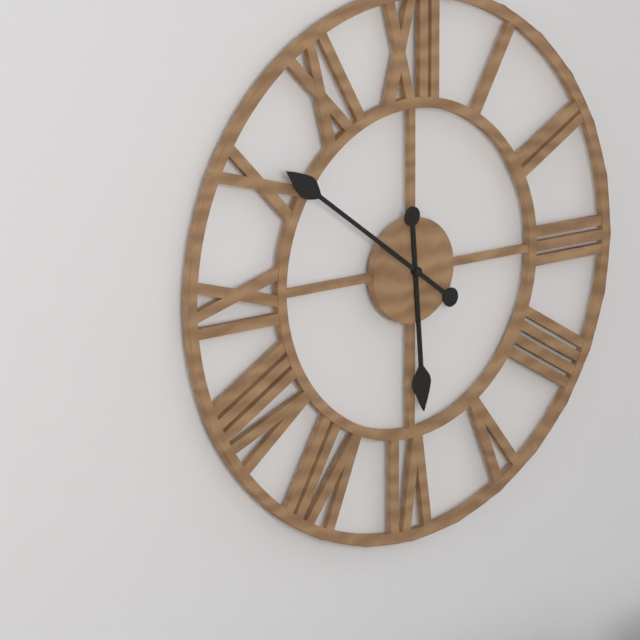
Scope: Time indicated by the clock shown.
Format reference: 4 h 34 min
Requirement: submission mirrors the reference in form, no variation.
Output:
5 h 51 min
